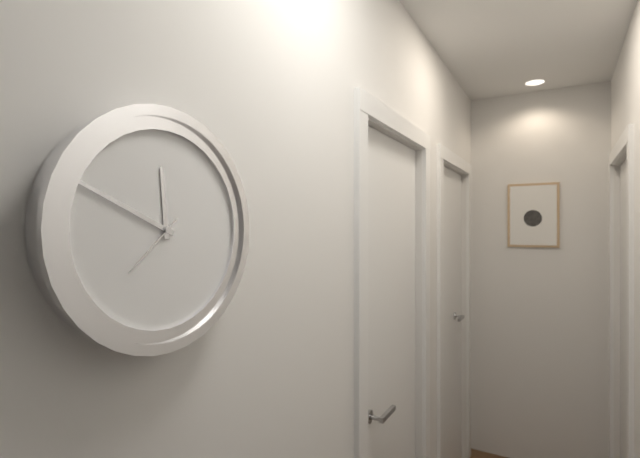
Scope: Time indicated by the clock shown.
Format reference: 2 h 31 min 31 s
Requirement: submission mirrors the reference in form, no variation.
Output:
11 h 49 min 38 s
